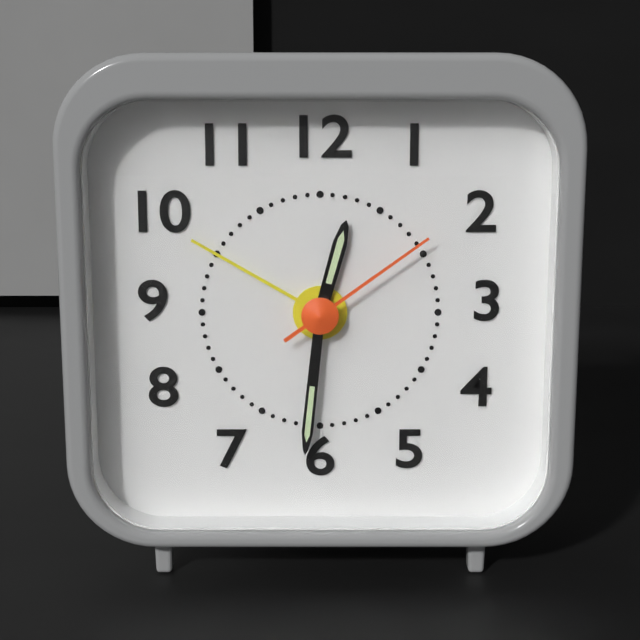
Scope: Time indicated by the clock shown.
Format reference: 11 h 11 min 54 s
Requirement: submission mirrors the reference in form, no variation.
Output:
12 h 31 min 09 s
